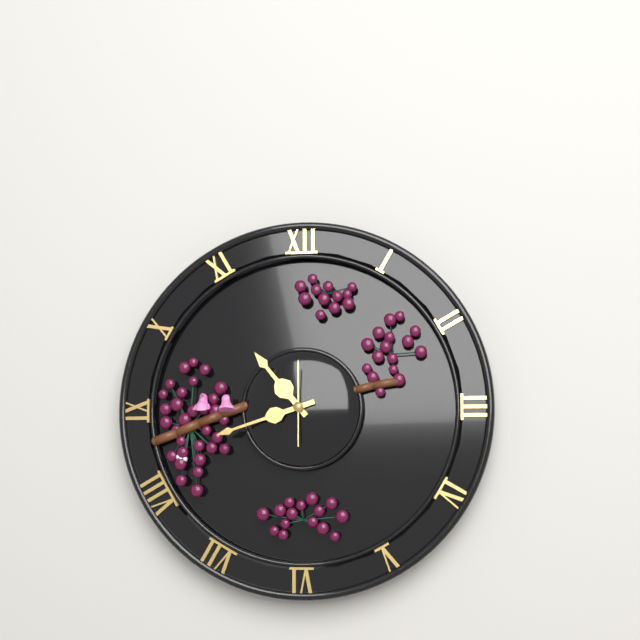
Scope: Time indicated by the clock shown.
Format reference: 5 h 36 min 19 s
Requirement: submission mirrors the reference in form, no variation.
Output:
10 h 42 min 00 s
